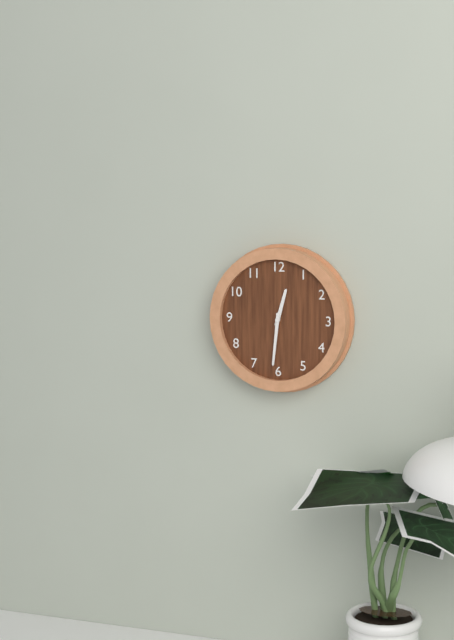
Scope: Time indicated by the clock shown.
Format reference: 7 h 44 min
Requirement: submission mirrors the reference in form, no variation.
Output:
12 h 31 min
